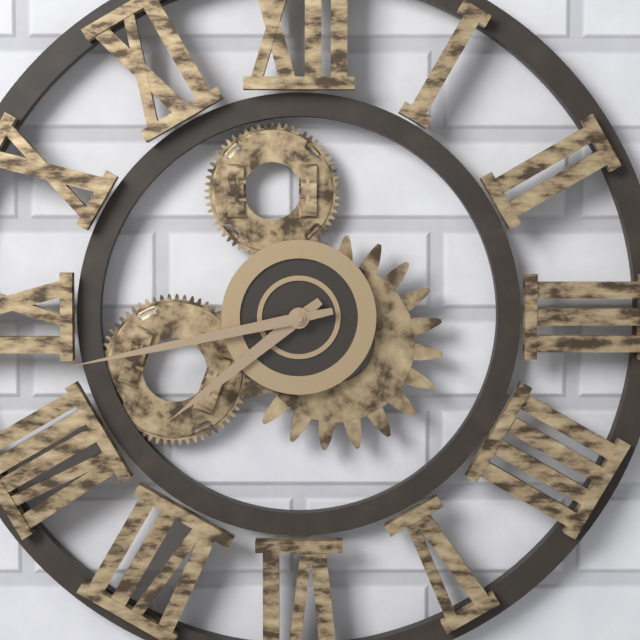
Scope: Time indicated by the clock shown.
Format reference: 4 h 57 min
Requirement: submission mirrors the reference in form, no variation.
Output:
7 h 43 min
